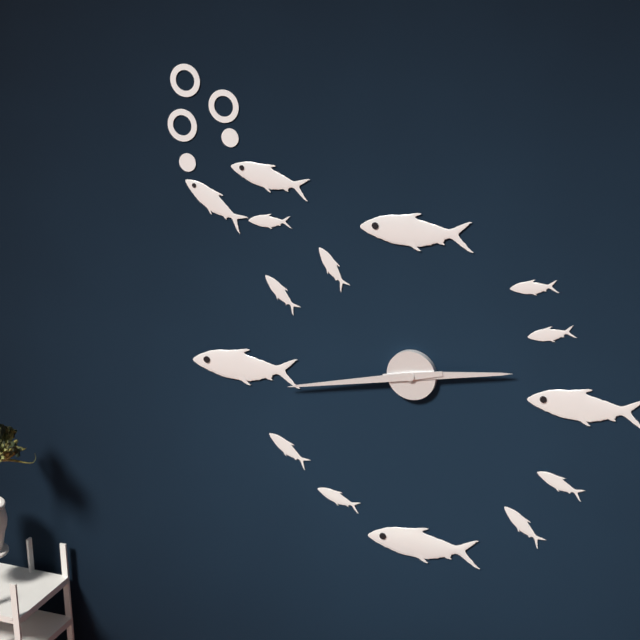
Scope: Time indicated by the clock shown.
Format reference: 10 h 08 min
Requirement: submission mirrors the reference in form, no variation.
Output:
2 h 43 min
